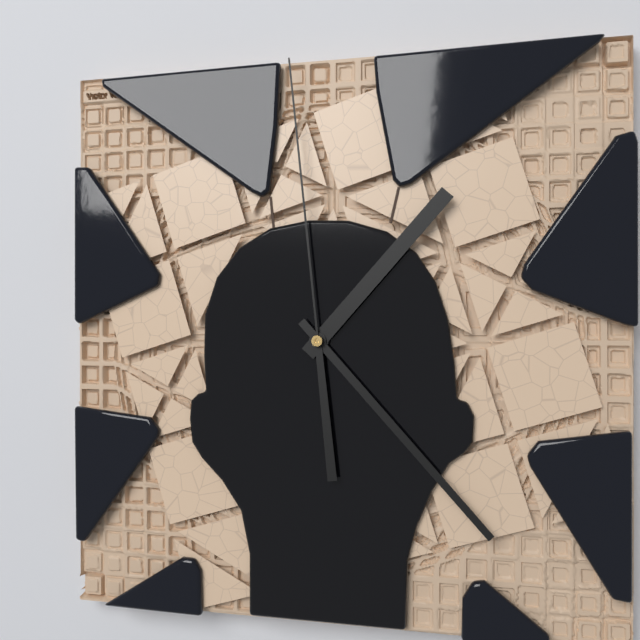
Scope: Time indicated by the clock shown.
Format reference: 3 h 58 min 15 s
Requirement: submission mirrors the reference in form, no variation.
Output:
1 h 23 min 59 s
